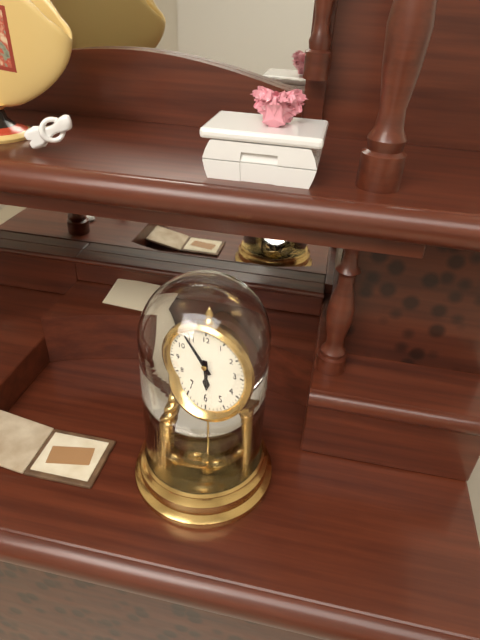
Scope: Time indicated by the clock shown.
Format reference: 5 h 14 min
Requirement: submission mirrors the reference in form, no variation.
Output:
5 h 54 min
